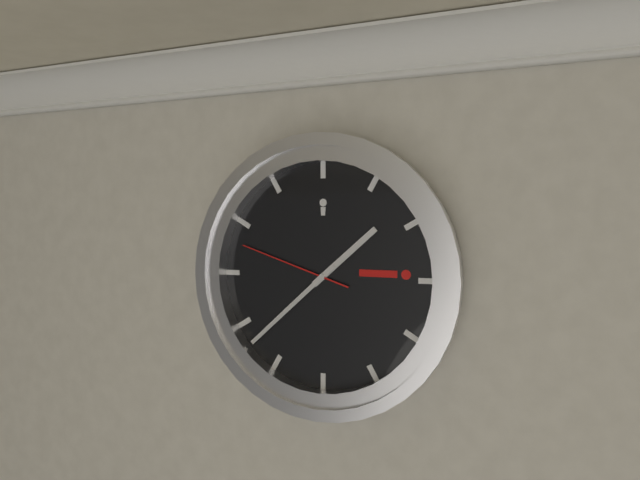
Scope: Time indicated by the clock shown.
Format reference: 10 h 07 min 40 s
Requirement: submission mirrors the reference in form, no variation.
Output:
1 h 38 min 48 s
